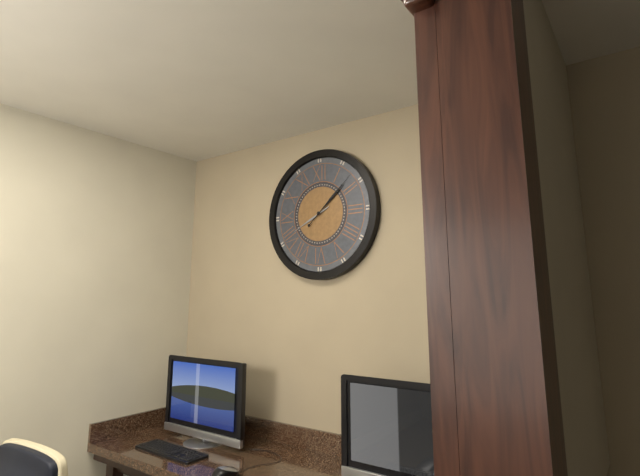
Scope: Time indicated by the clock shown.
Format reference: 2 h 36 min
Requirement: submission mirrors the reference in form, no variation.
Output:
8 h 08 min
